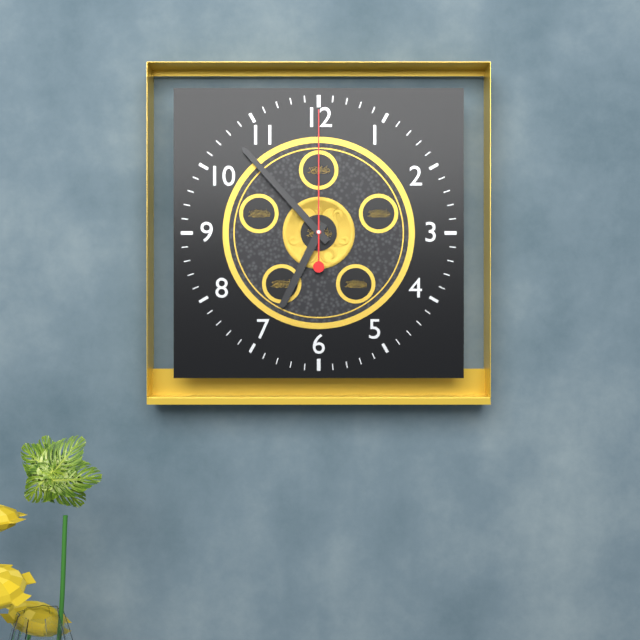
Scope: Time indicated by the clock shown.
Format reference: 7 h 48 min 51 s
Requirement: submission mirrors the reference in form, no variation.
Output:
6 h 53 min 00 s
